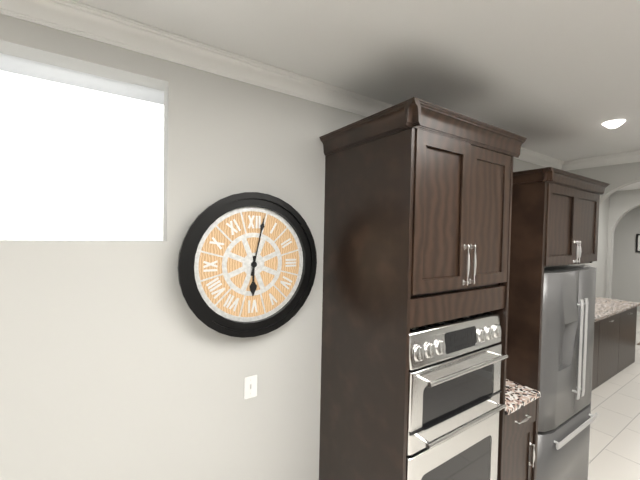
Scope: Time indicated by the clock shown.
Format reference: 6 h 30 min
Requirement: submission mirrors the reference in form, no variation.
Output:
6 h 02 min
